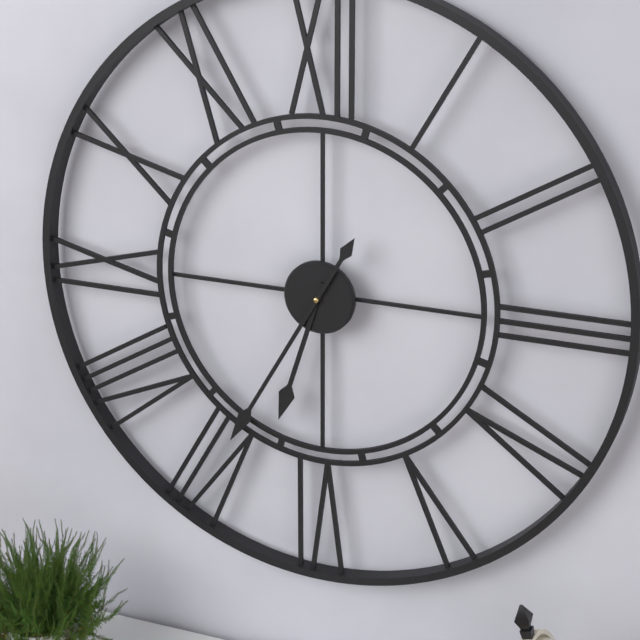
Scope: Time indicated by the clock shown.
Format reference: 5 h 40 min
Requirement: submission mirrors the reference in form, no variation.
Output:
6 h 35 min
